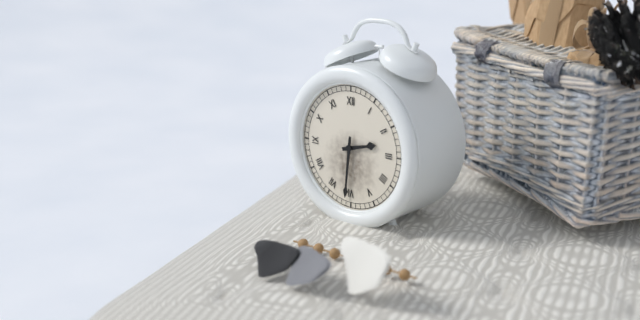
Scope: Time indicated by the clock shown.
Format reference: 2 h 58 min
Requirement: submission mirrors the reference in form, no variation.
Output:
2 h 31 min
